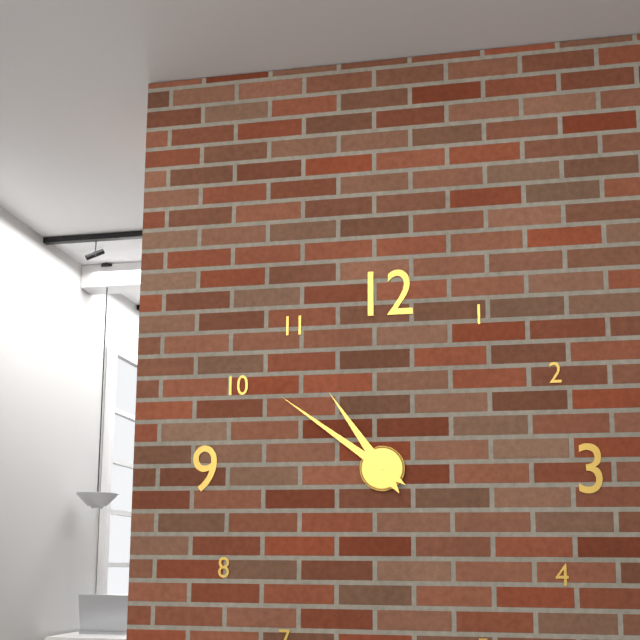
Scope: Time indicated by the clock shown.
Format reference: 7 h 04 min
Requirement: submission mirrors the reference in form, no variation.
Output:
10 h 51 min
